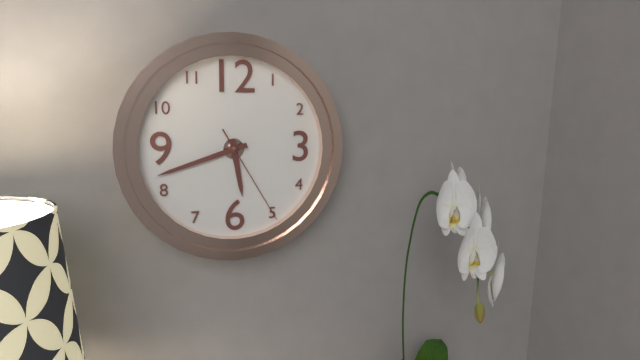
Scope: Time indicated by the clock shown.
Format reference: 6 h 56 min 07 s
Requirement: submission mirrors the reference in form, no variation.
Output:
5 h 42 min 25 s
